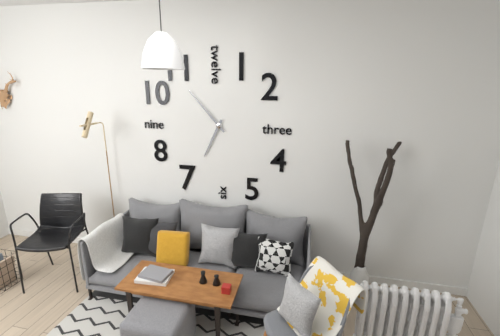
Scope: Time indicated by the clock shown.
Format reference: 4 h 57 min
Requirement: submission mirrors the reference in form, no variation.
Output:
6 h 53 min
